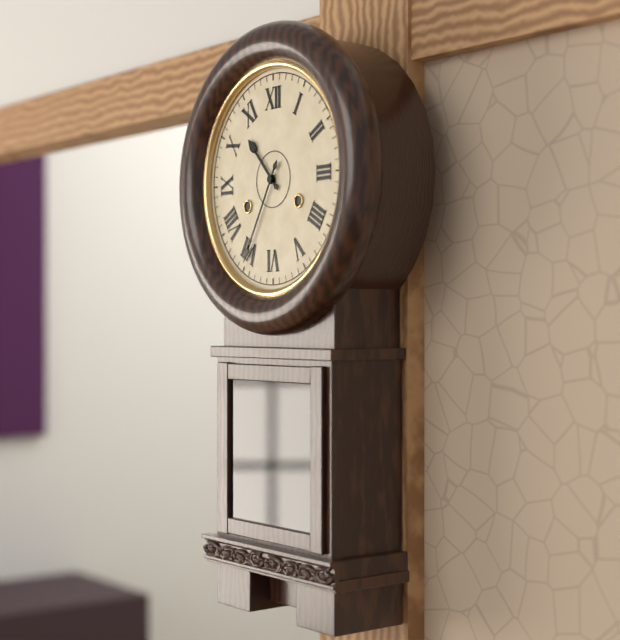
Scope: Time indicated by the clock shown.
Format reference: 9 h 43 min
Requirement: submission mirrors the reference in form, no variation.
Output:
10 h 35 min
